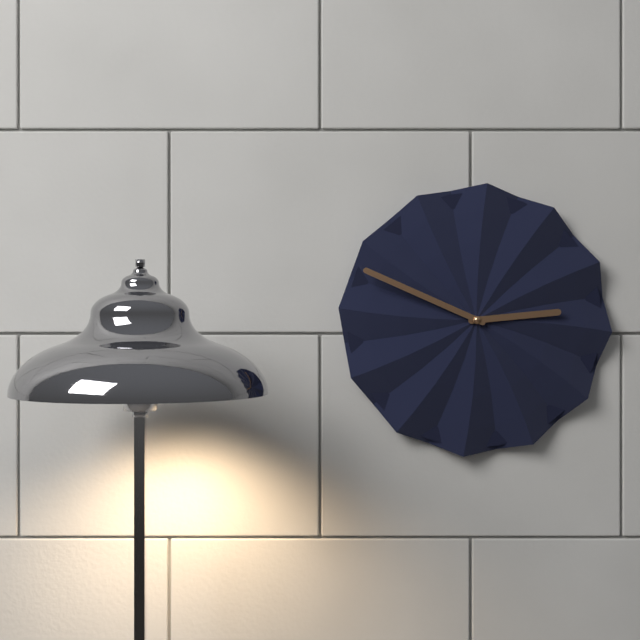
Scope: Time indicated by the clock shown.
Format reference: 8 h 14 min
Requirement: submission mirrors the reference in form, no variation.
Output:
2 h 49 min
